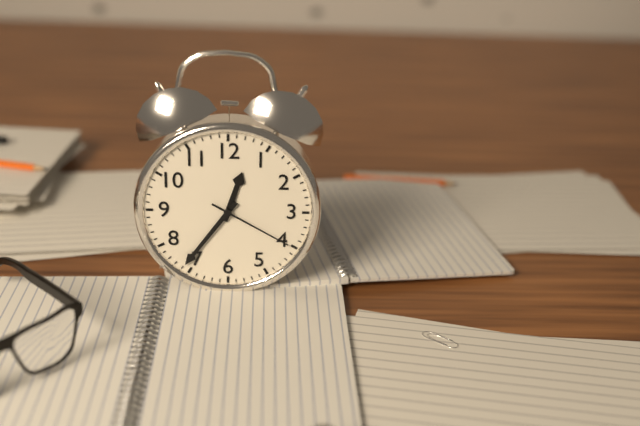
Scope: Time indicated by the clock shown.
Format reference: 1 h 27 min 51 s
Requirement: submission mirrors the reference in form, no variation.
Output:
12 h 36 min 20 s
